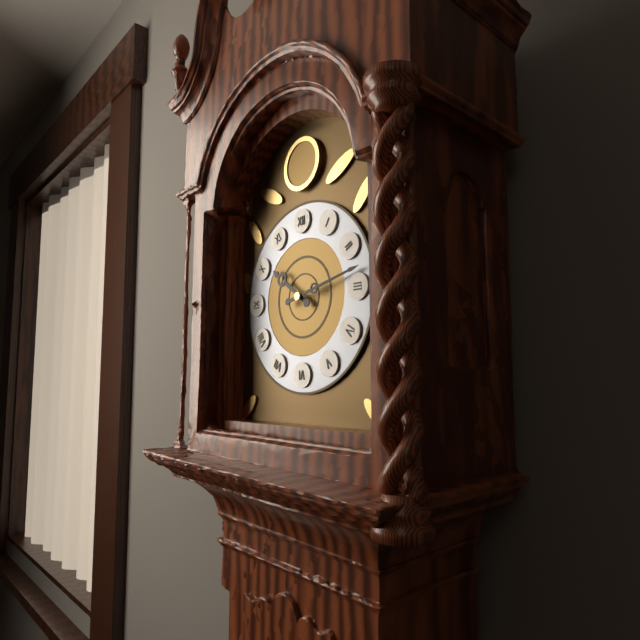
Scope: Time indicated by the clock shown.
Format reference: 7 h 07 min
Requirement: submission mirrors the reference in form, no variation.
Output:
10 h 13 min
